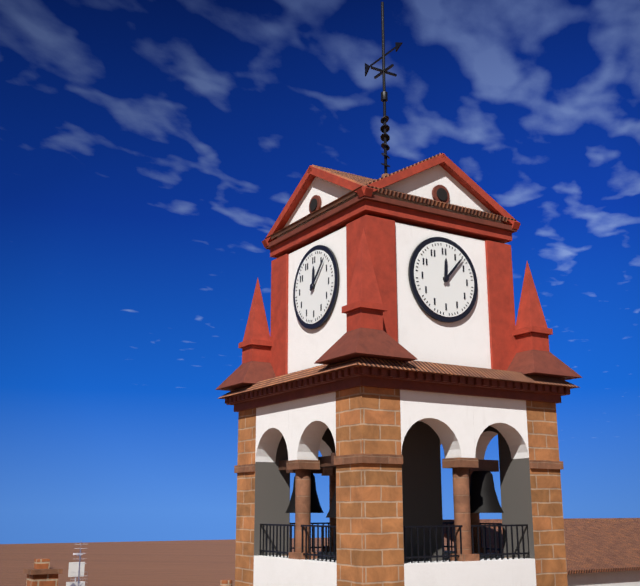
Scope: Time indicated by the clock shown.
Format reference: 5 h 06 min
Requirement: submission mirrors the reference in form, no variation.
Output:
12 h 07 min
